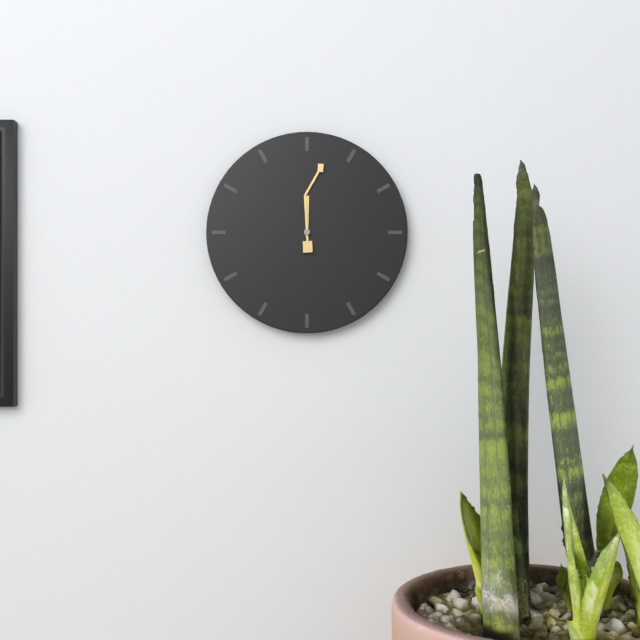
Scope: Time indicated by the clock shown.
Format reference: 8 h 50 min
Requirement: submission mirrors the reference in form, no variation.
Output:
12 h 02 min
